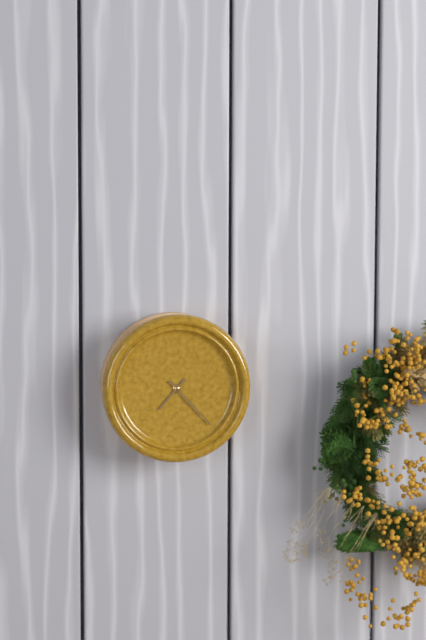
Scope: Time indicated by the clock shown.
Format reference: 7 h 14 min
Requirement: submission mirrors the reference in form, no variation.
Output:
7 h 23 min
